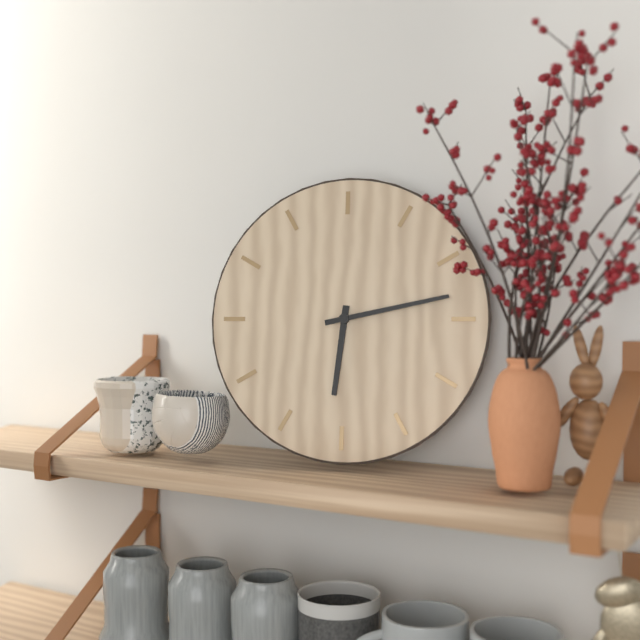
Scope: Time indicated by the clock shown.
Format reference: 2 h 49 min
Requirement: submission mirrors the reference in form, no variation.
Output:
6 h 13 min
